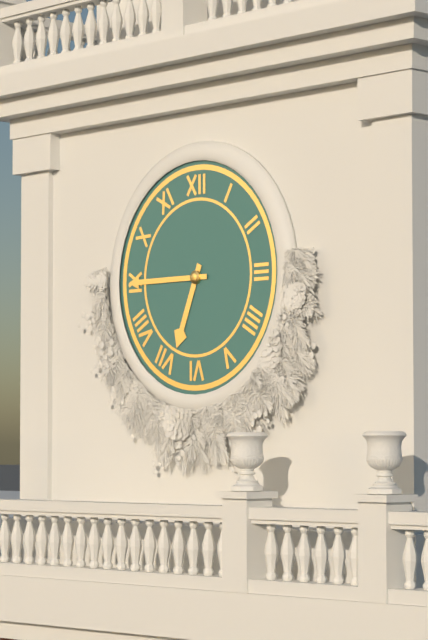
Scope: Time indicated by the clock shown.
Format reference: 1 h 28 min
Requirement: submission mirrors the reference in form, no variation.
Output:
6 h 45 min
